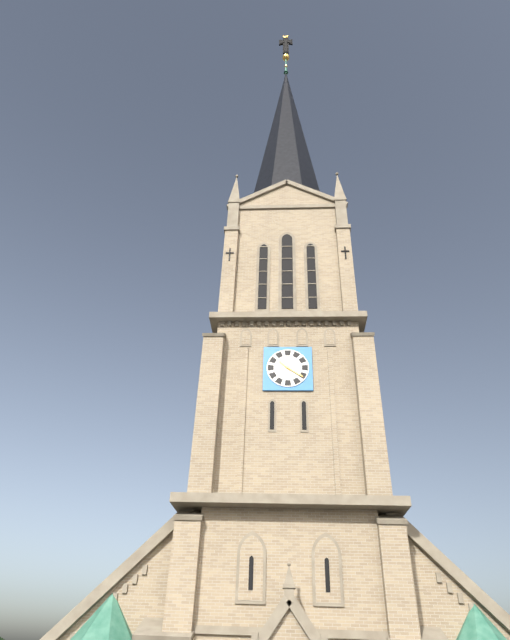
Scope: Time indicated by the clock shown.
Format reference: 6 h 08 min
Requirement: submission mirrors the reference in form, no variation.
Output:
10 h 21 min
